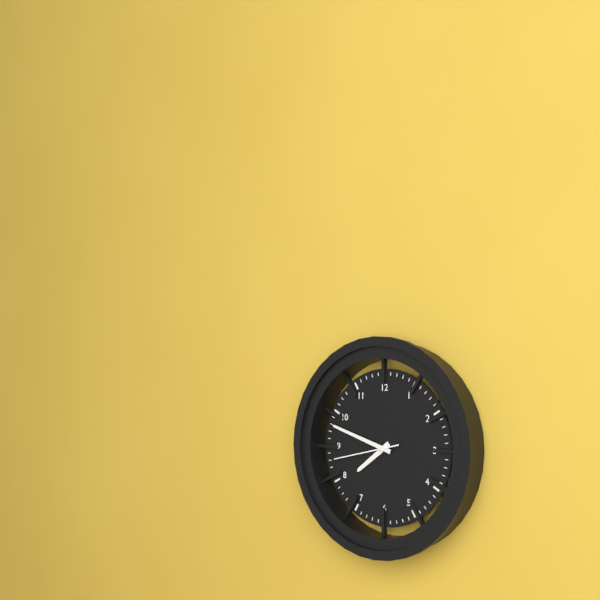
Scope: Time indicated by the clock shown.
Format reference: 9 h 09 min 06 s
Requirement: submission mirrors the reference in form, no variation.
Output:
7 h 48 min 43 s
